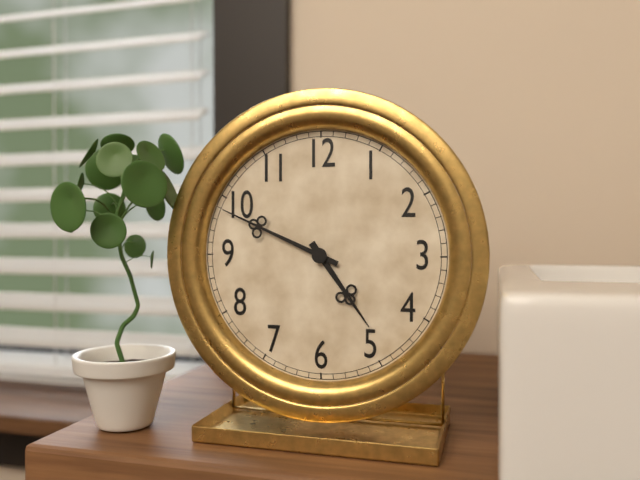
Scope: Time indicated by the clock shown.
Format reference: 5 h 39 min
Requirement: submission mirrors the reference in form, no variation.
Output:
4 h 49 min
